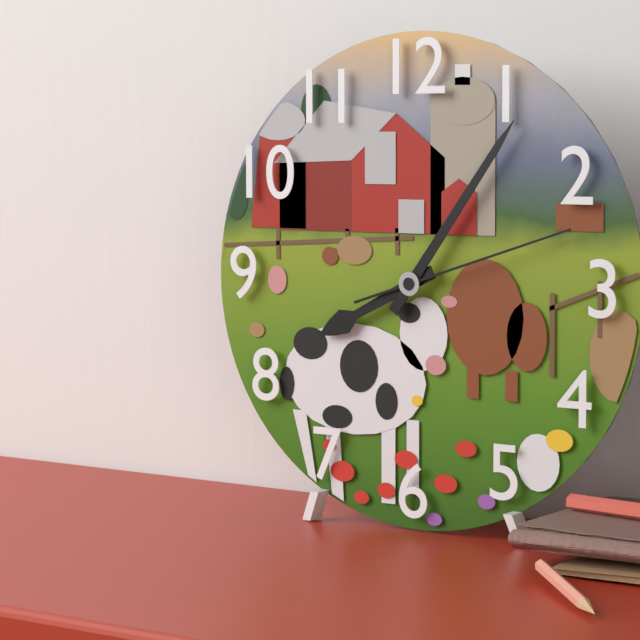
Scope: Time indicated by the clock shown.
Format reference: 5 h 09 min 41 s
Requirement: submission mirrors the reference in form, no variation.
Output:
8 h 06 min 12 s
